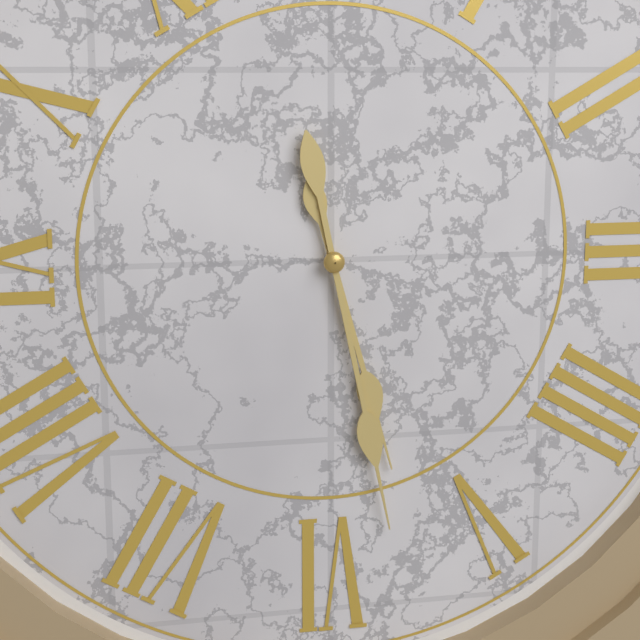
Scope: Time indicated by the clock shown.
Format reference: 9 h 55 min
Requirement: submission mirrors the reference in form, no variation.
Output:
5 h 28 min
